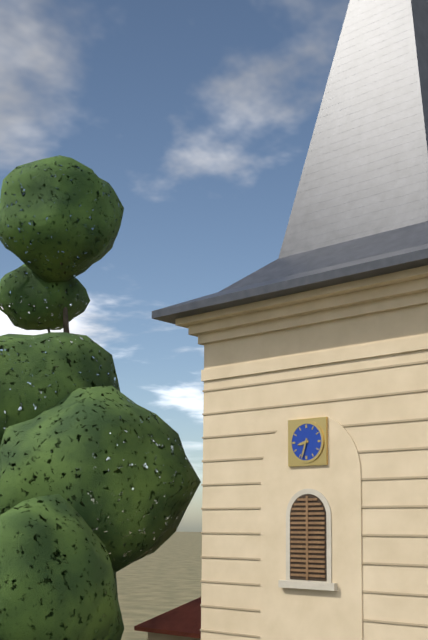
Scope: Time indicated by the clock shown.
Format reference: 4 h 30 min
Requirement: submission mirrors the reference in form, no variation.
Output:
8 h 33 min
